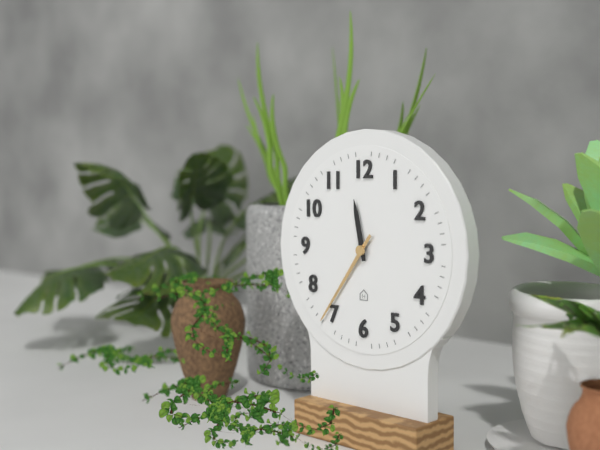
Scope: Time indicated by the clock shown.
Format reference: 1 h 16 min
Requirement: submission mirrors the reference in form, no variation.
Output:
11 h 36 min
